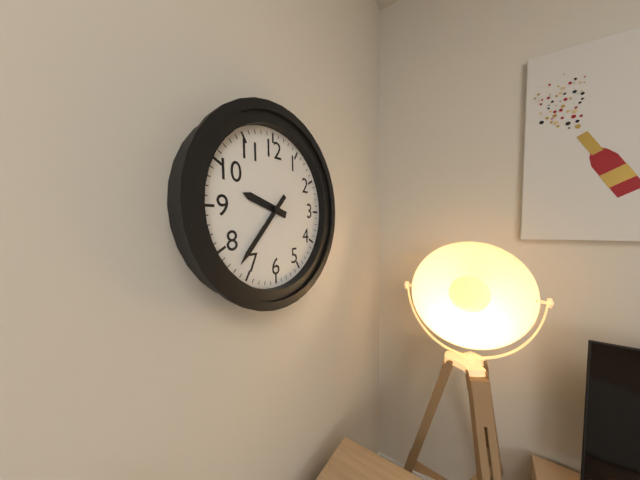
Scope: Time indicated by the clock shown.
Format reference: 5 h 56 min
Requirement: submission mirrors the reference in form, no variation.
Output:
9 h 37 min
